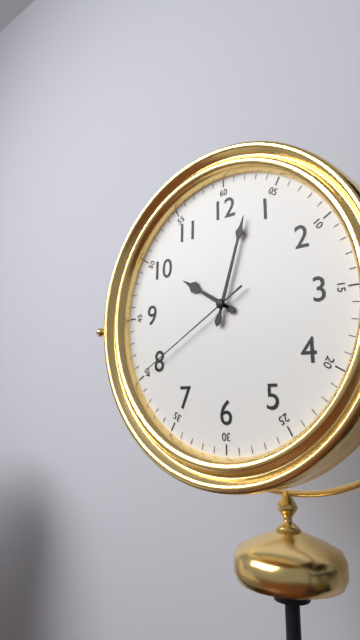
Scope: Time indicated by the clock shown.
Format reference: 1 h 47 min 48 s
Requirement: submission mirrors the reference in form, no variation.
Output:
10 h 03 min 40 s
